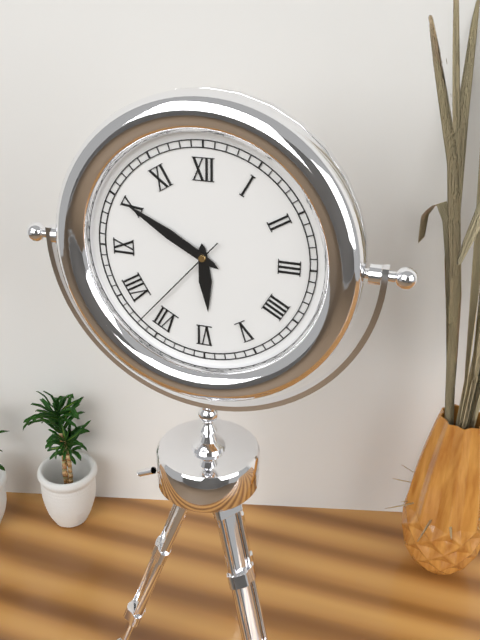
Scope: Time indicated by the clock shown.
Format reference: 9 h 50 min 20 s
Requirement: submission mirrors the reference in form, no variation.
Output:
5 h 50 min 37 s
